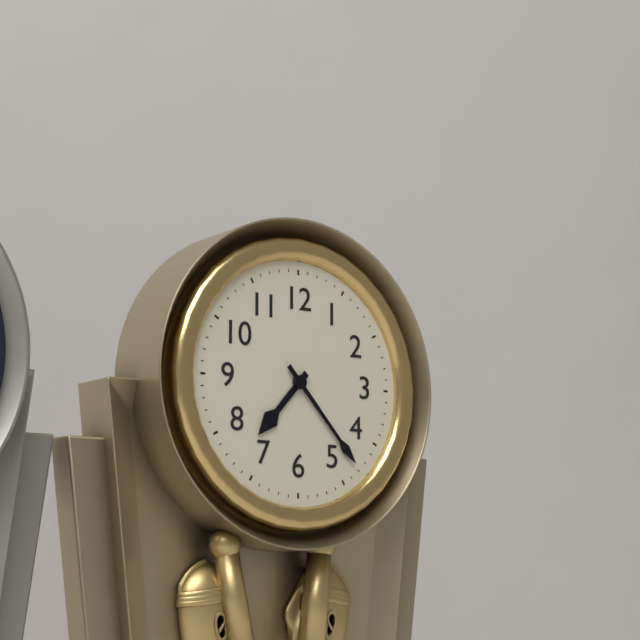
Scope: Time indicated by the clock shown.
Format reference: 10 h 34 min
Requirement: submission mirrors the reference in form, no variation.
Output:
7 h 23 min
